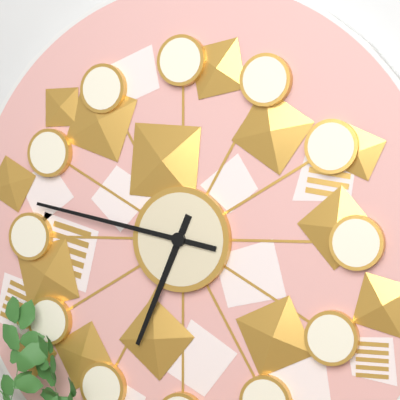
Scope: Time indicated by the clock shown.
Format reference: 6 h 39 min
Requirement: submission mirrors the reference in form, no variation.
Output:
6 h 47 min
